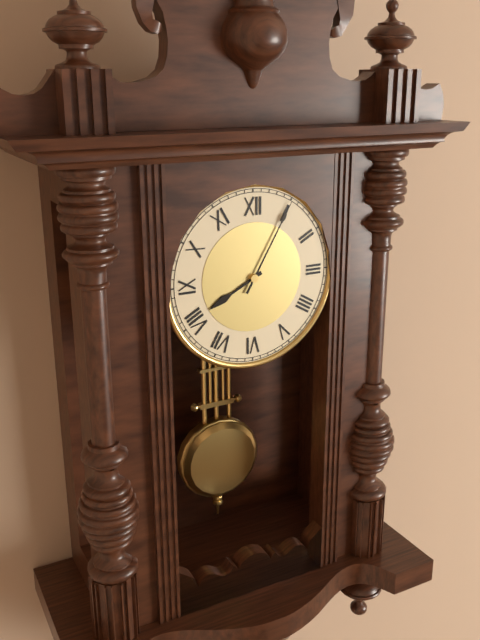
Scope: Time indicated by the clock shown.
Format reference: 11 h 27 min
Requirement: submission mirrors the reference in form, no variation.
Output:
8 h 05 min
